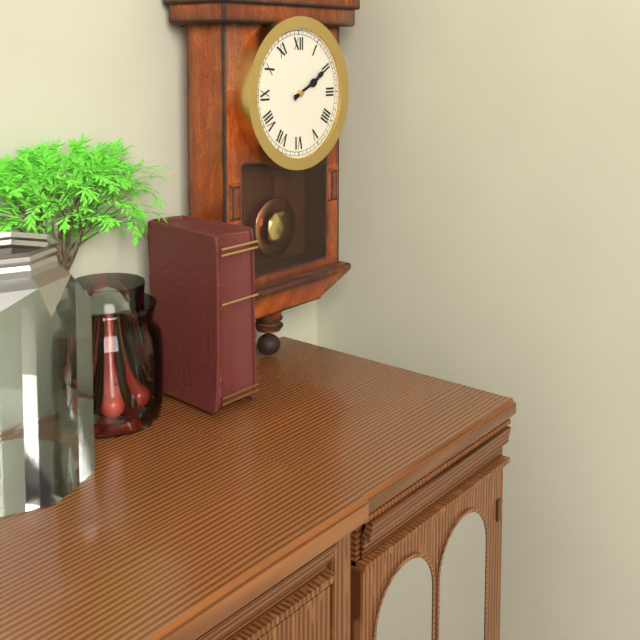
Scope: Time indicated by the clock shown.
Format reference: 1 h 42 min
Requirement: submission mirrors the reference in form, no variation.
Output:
2 h 10 min
